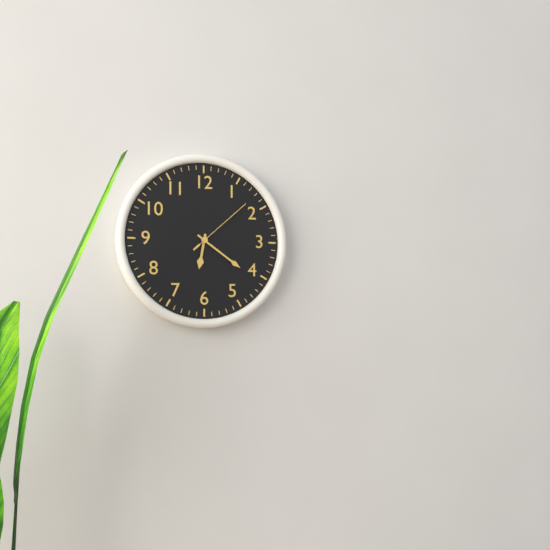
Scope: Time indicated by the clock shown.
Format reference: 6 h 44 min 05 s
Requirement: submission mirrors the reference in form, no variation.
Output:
6 h 21 min 08 s
